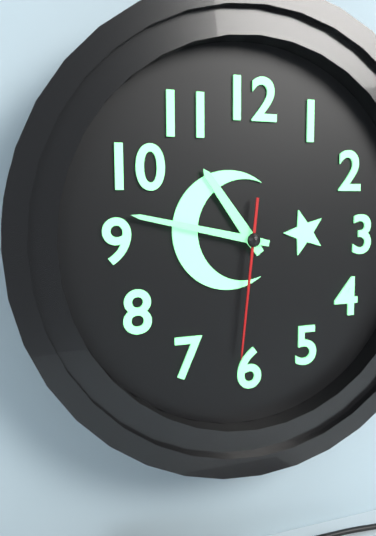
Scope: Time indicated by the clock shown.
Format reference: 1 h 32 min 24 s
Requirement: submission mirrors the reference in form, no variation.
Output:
10 h 47 min 31 s
